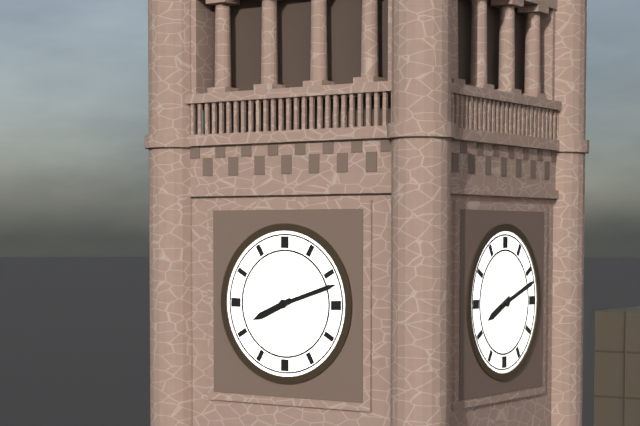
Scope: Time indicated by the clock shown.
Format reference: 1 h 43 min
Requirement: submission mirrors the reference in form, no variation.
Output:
8 h 12 min
